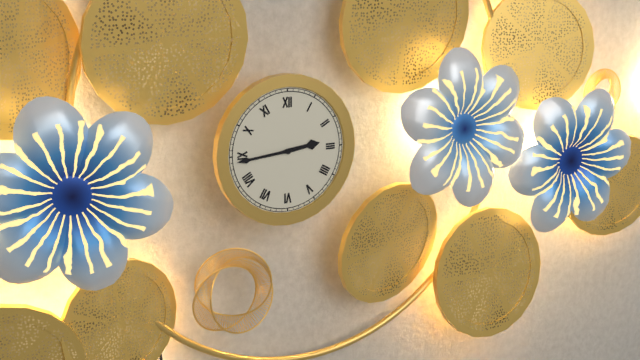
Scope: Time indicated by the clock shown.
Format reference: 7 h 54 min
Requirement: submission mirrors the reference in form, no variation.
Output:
2 h 44 min
